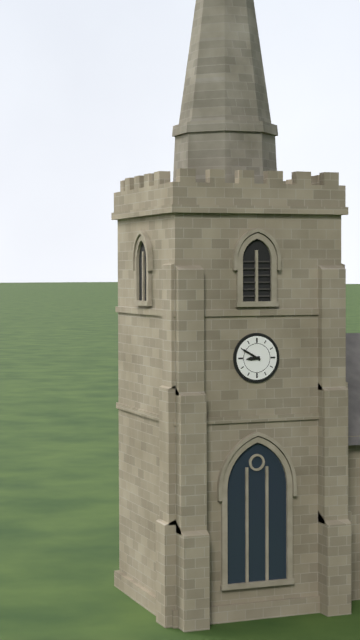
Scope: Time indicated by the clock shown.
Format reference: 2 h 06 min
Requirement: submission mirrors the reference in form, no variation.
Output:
8 h 50 min
